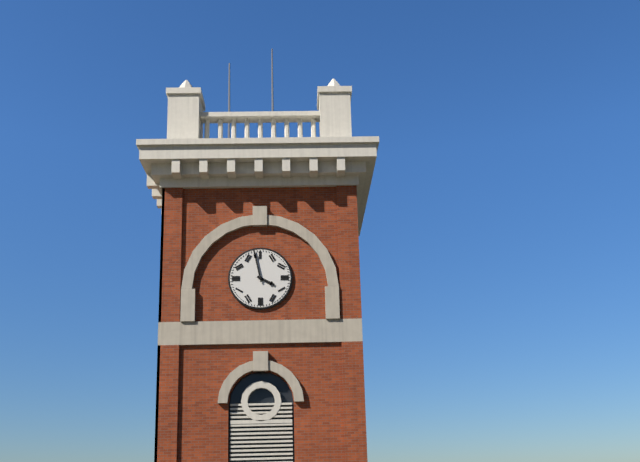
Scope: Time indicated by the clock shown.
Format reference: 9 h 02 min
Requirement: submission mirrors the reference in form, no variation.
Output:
3 h 58 min
